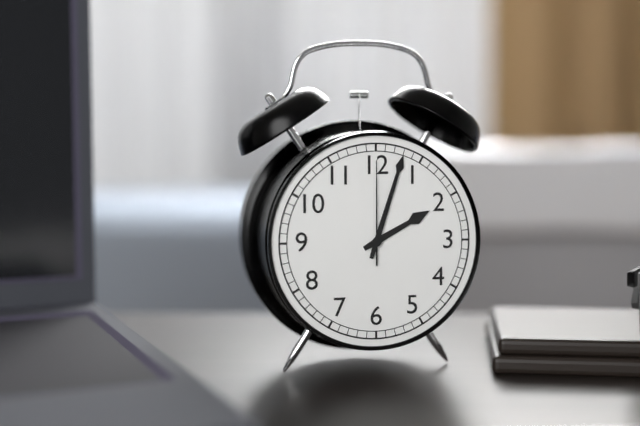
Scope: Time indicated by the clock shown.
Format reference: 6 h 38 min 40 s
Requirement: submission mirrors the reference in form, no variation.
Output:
2 h 03 min 00 s
